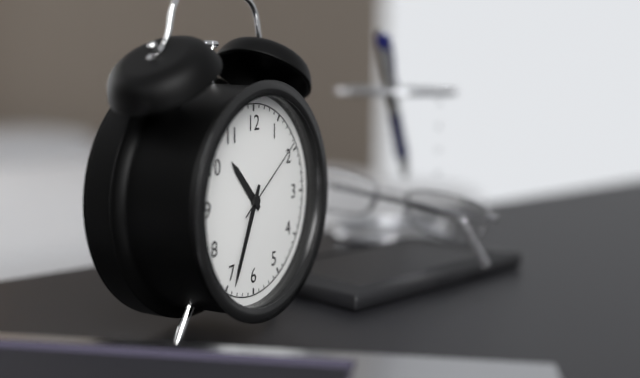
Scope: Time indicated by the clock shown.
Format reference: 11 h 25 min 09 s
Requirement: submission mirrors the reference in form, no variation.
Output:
10 h 34 min 09 s
